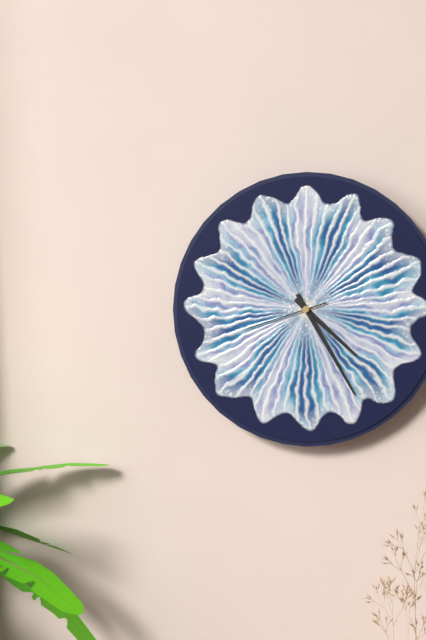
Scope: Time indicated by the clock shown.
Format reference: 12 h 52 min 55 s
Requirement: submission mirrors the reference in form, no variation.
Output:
4 h 25 min 42 s
